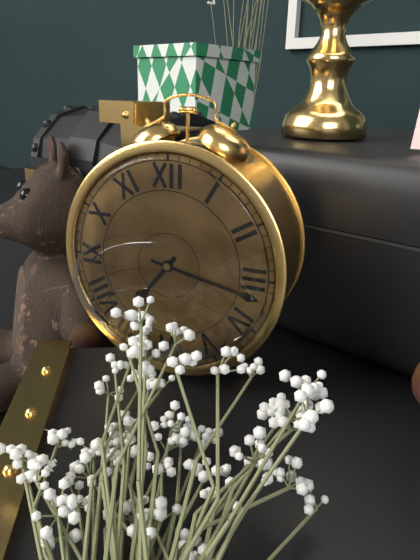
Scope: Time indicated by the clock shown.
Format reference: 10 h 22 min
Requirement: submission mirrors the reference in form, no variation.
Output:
7 h 17 min
